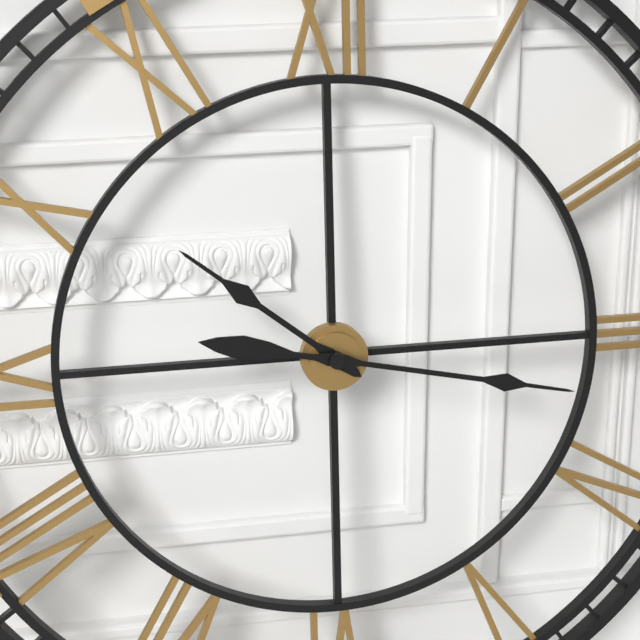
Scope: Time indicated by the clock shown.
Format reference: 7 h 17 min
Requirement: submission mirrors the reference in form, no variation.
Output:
10 h 17 min
